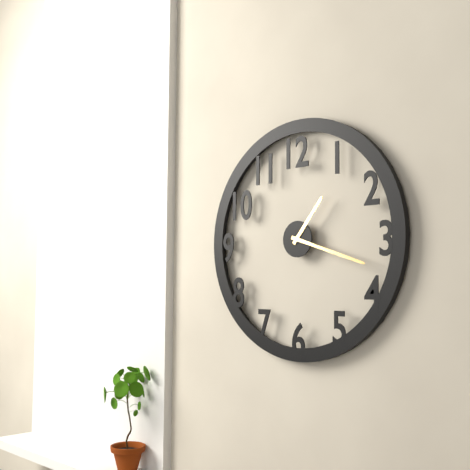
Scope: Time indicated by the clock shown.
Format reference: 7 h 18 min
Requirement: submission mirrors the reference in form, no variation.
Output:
1 h 18 min
